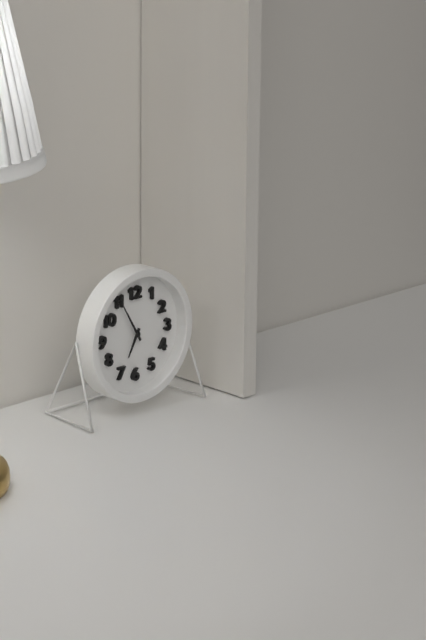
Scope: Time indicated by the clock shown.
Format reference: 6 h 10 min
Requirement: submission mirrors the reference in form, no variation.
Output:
6 h 55 min
